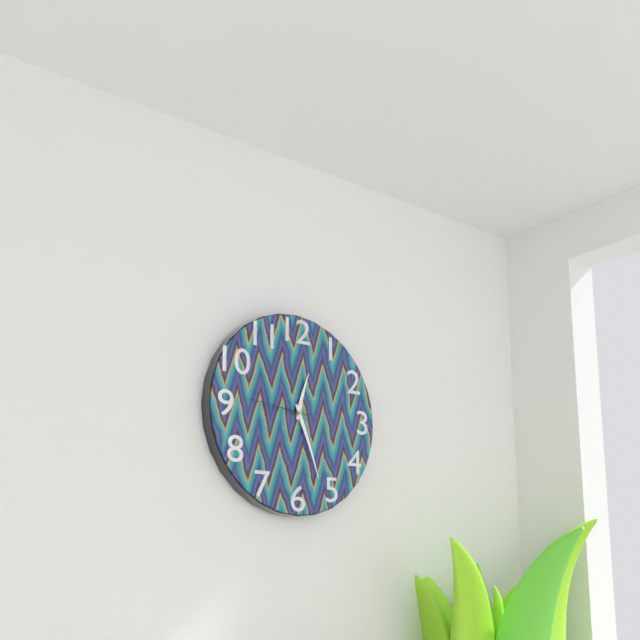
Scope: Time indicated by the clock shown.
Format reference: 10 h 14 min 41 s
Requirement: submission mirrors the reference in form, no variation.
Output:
12 h 26 min 46 s
